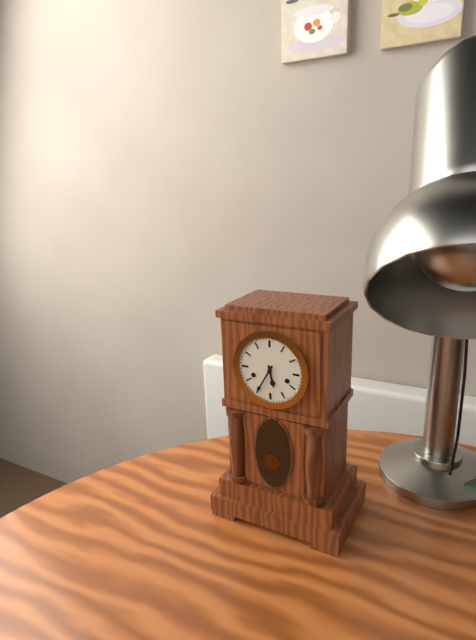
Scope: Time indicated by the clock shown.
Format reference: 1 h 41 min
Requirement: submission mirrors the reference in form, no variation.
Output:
5 h 35 min
